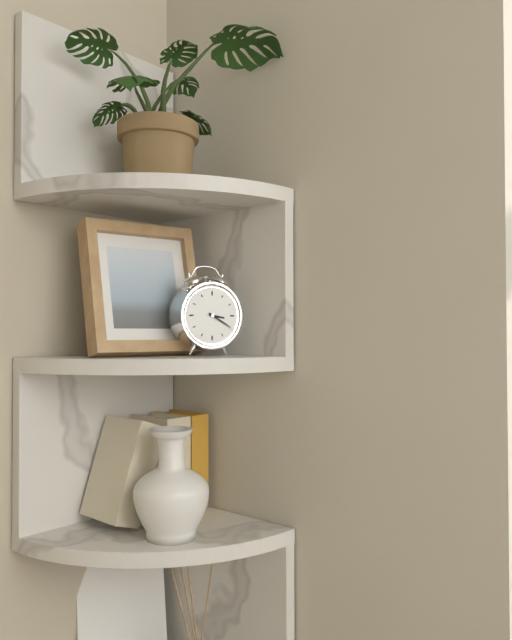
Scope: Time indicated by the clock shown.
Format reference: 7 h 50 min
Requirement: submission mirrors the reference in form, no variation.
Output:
3 h 20 min
